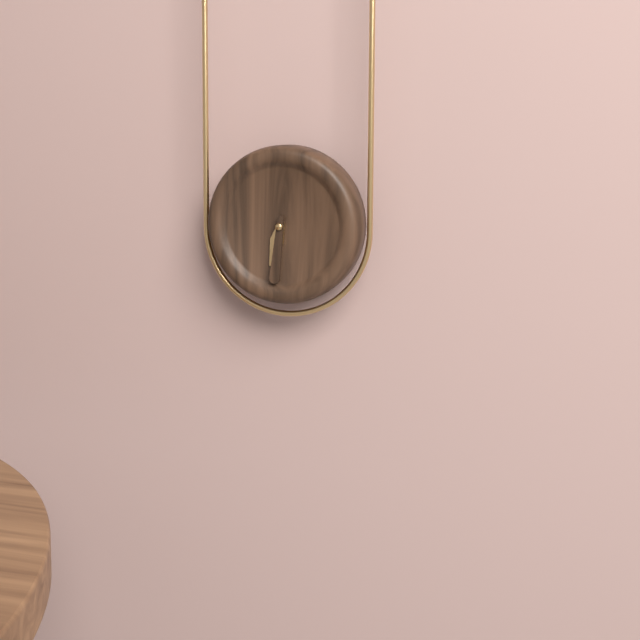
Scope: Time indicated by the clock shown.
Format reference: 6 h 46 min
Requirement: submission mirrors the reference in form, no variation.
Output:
6 h 31 min
